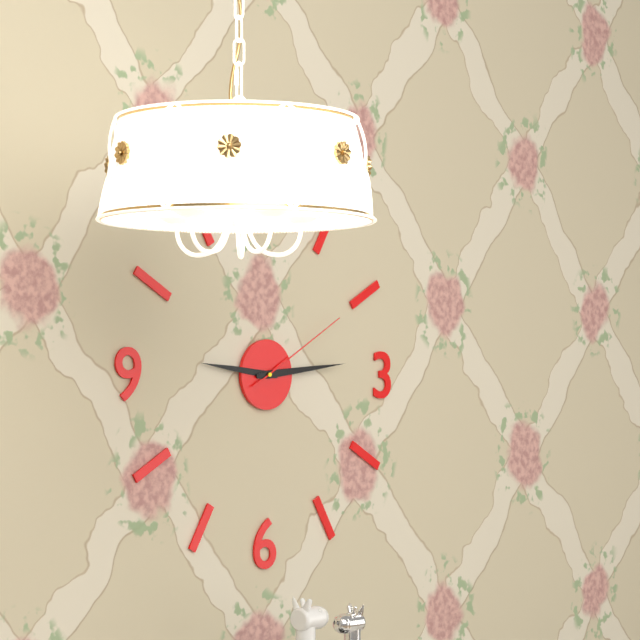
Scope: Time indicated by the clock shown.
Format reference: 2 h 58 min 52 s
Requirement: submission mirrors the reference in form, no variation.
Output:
9 h 14 min 10 s
